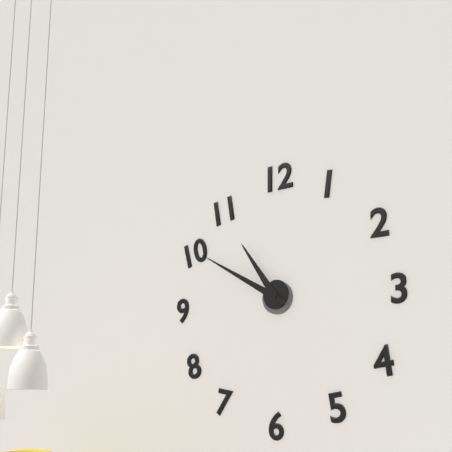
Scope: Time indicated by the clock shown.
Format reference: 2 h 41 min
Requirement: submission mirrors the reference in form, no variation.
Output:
10 h 50 min
